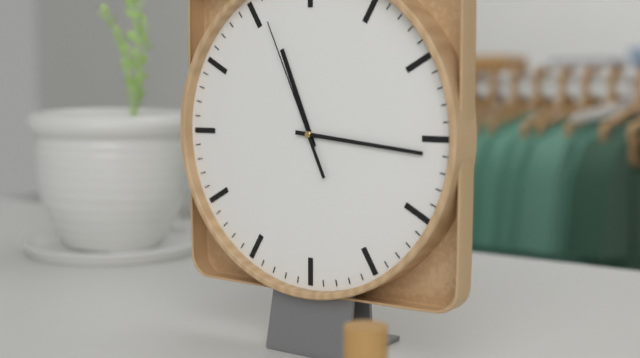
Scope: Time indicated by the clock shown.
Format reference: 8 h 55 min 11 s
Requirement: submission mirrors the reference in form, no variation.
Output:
11 h 16 min 56 s
